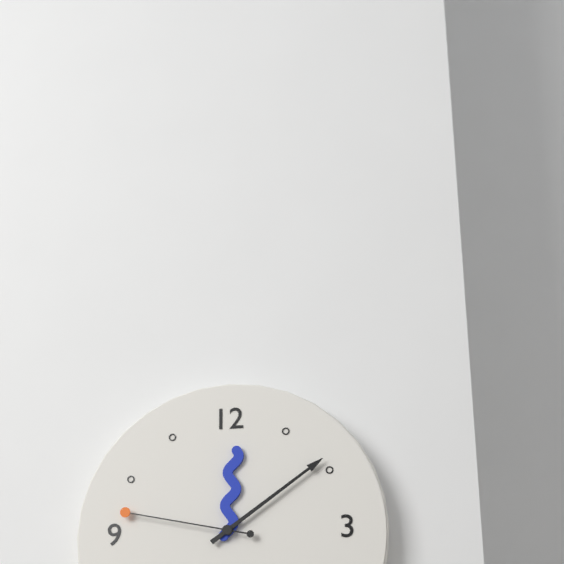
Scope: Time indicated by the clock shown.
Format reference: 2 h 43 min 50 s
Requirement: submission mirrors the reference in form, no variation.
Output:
12 h 09 min 47 s
